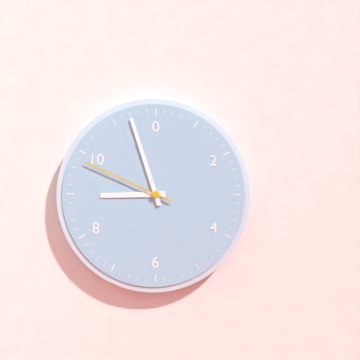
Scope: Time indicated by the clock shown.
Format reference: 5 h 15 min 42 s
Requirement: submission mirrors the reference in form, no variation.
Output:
8 h 57 min 49 s
